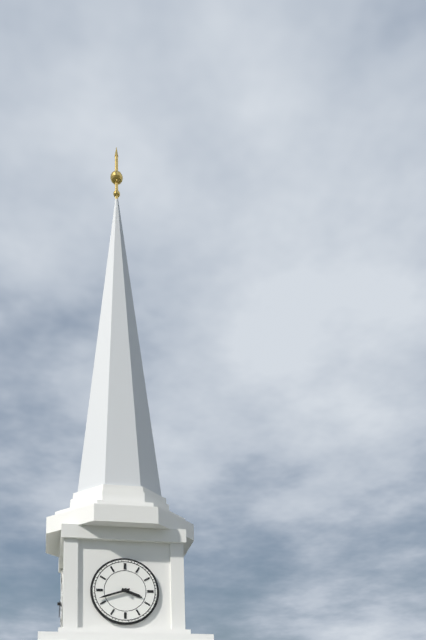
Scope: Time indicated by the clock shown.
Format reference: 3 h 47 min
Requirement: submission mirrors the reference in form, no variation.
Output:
3 h 42 min
